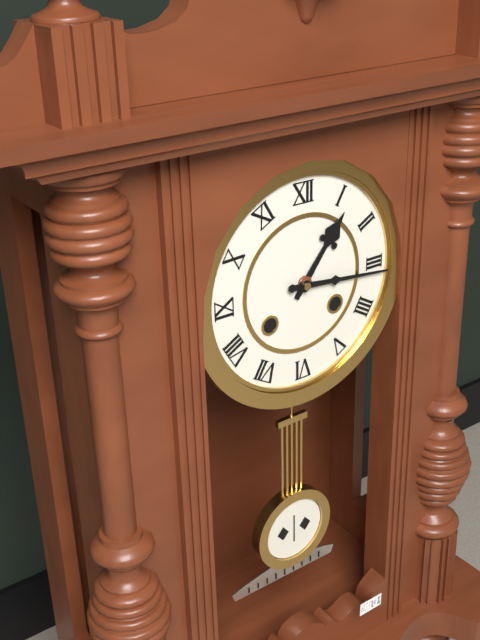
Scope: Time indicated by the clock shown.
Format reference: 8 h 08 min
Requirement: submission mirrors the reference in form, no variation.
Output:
1 h 16 min
